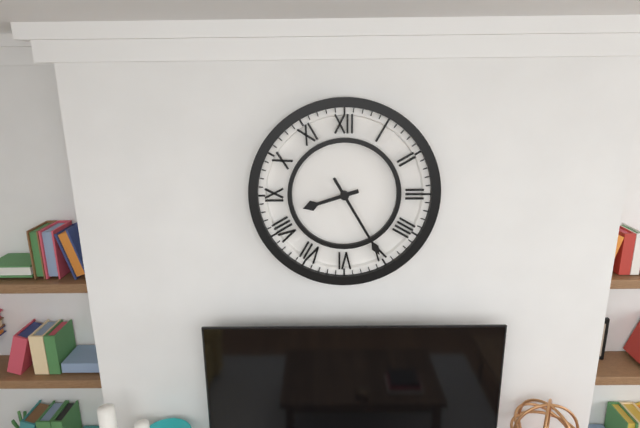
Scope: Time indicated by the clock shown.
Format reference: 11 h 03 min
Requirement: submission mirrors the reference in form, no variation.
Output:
8 h 25 min
